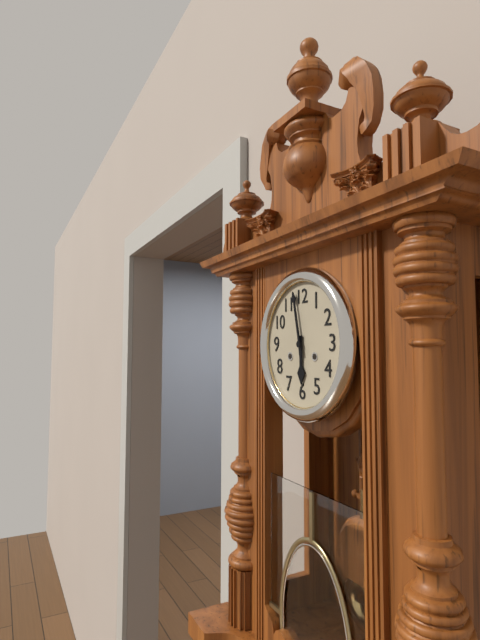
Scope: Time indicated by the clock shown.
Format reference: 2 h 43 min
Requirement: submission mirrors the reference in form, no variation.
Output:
5 h 58 min
